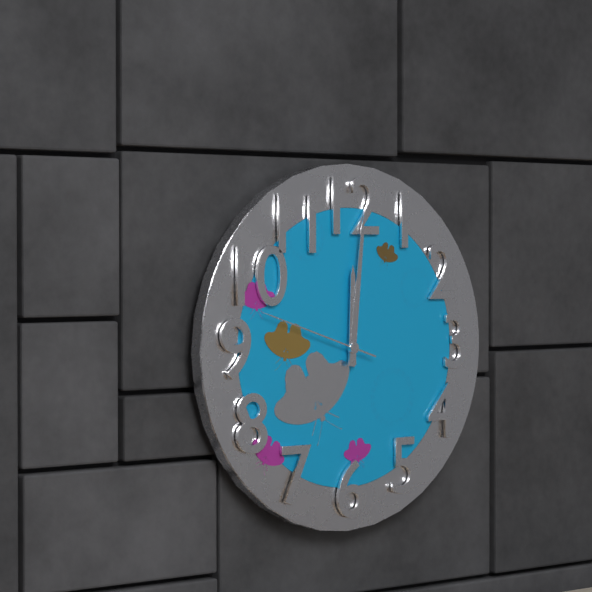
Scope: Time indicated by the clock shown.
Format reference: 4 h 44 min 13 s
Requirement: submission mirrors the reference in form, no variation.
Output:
12 h 01 min 48 s
